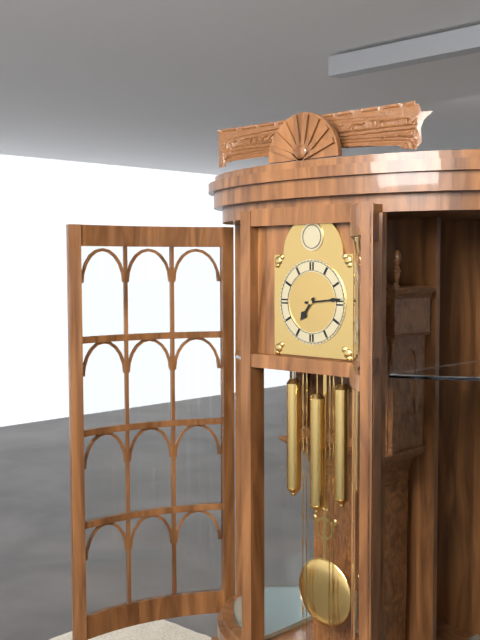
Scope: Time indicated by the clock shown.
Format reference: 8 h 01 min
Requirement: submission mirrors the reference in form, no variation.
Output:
7 h 14 min
